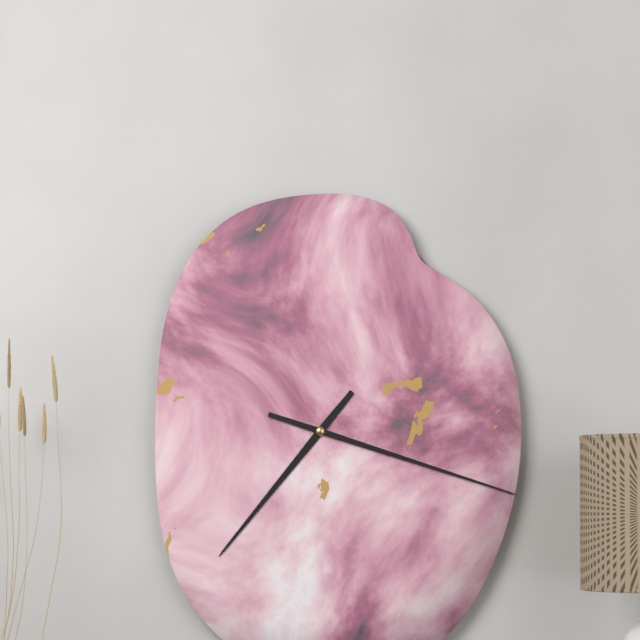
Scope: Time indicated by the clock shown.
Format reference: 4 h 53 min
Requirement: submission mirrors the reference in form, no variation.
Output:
7 h 18 min
